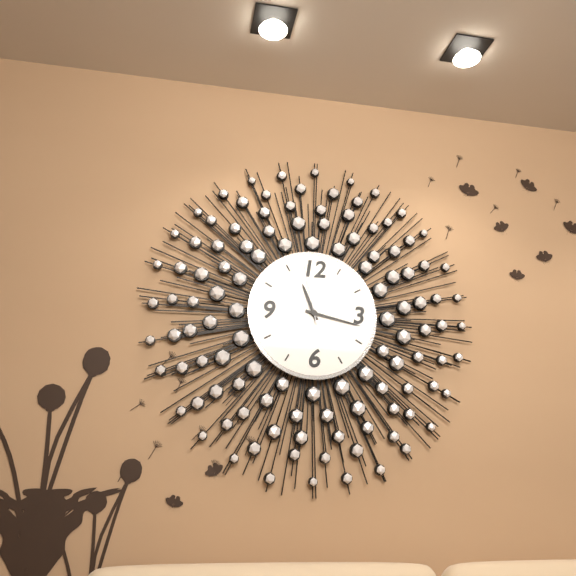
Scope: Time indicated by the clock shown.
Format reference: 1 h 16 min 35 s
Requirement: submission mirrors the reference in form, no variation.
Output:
11 h 17 min 58 s
